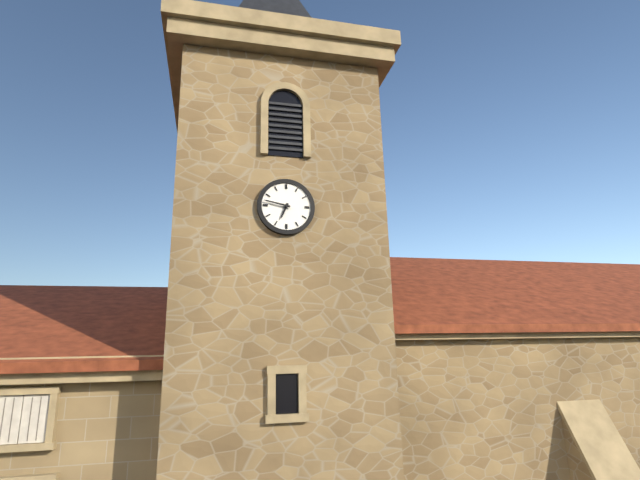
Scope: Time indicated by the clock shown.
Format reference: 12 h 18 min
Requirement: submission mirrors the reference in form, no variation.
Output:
6 h 47 min
